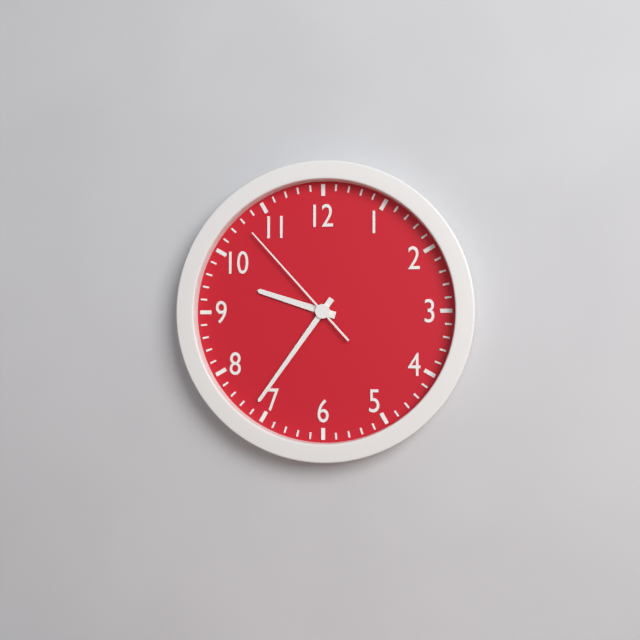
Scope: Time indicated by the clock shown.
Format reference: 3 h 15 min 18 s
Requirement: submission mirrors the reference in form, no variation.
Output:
9 h 36 min 53 s
